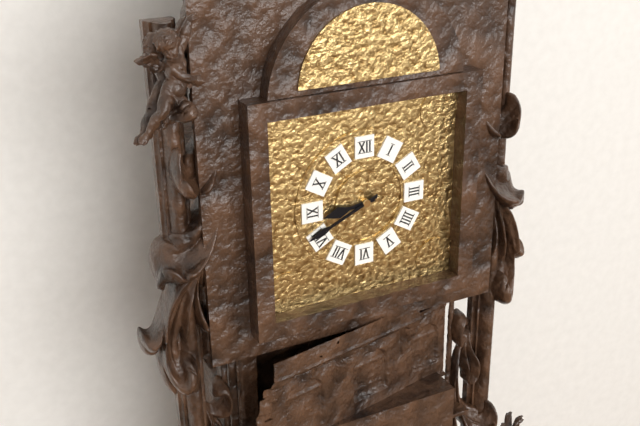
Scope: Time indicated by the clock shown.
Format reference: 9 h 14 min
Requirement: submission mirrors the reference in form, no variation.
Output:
8 h 41 min
